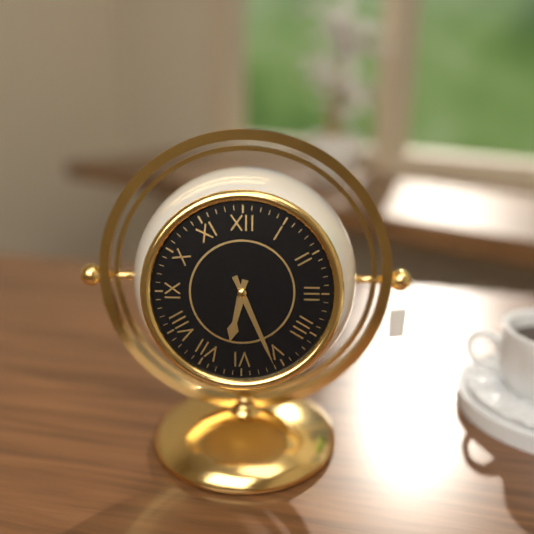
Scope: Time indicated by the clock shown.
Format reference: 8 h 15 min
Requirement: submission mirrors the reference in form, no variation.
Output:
6 h 26 min
